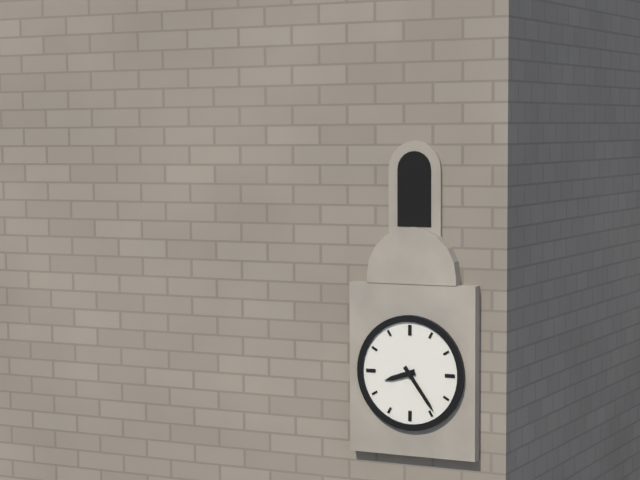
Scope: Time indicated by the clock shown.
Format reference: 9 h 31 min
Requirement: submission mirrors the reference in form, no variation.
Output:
8 h 24 min
